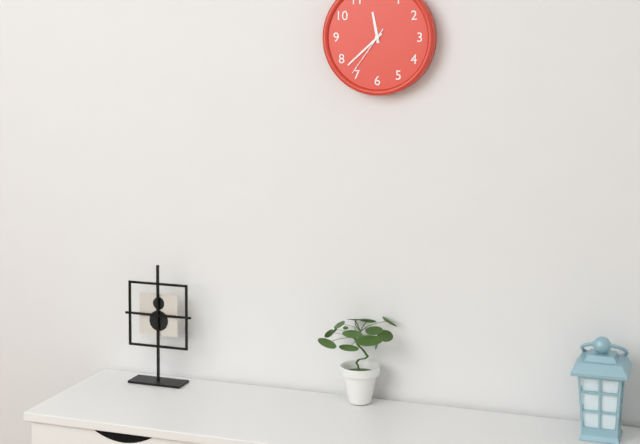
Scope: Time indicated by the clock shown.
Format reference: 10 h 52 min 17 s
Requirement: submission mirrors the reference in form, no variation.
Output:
11 h 38 min 36 s
